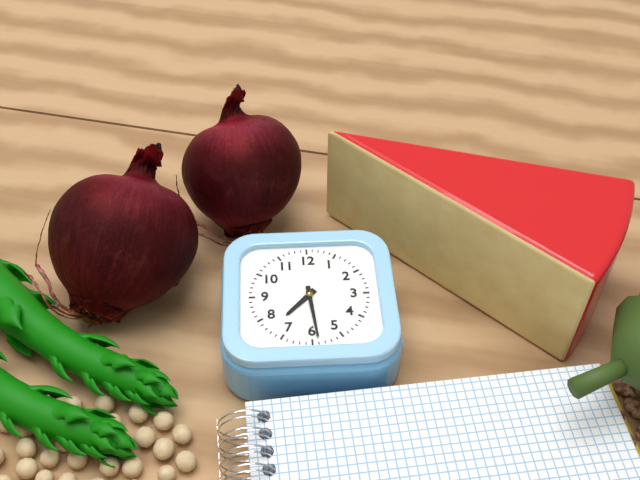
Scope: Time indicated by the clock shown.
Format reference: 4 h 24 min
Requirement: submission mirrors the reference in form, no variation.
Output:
7 h 29 min
